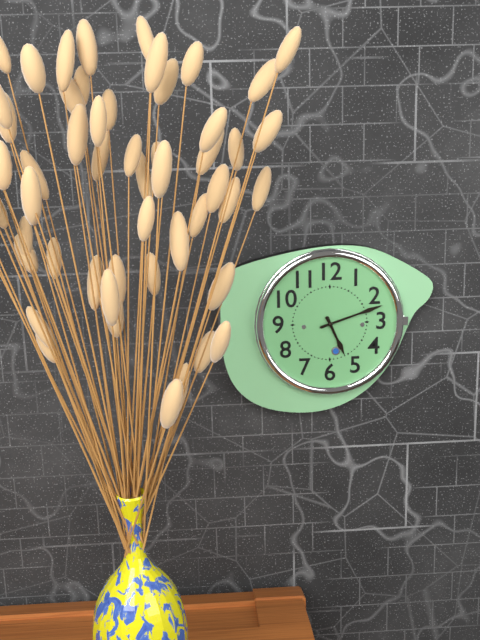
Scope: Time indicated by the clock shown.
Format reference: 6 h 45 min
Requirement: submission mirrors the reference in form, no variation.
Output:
5 h 12 min
